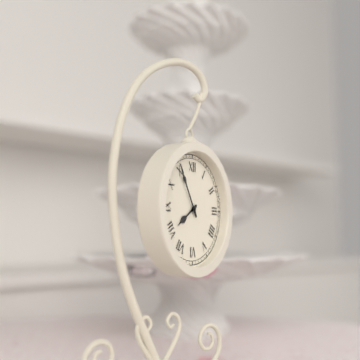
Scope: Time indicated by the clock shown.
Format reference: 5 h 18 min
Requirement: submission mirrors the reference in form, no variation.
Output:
7 h 55 min
